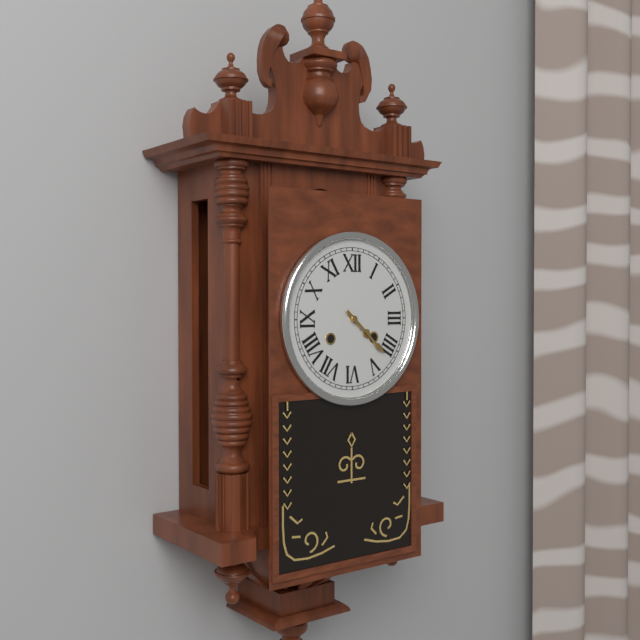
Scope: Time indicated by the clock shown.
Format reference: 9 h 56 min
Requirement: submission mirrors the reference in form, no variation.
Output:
4 h 22 min
